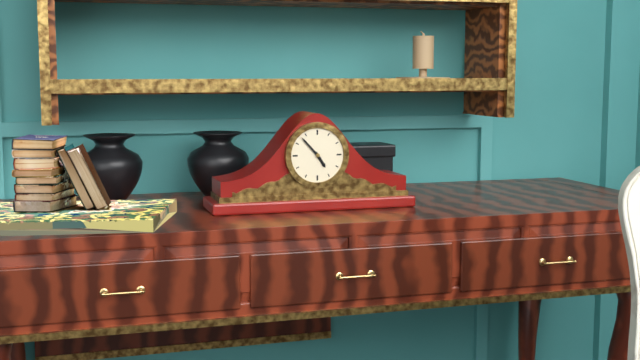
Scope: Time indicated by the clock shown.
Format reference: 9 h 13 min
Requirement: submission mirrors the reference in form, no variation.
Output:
4 h 53 min
